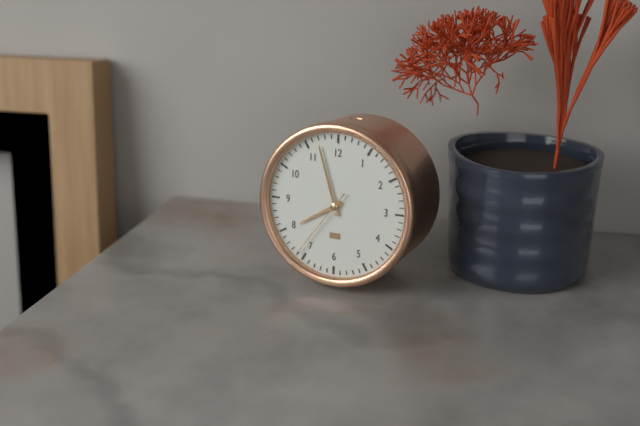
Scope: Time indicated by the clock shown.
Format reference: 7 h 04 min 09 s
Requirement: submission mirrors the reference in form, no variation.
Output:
7 h 57 min 36 s
